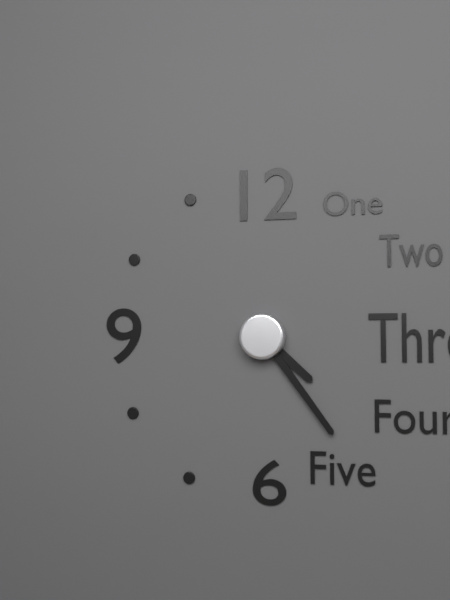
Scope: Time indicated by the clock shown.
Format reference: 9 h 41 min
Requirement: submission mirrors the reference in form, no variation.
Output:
4 h 24 min
